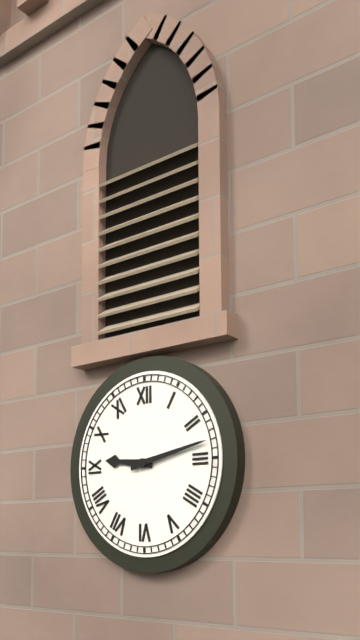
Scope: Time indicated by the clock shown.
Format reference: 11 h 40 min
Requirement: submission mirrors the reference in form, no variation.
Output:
9 h 13 min
